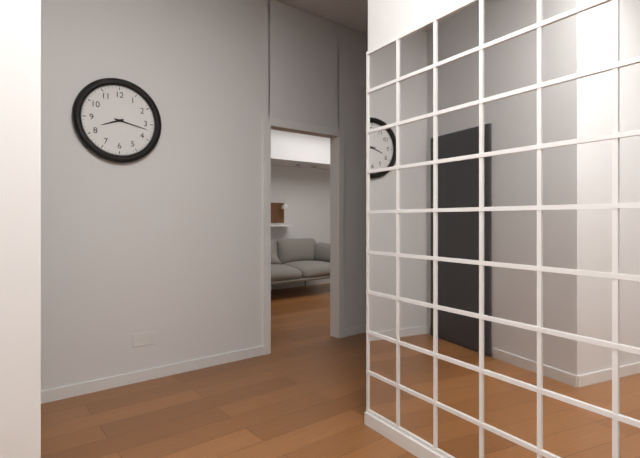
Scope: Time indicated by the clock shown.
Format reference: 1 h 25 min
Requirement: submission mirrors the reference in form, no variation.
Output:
8 h 17 min
